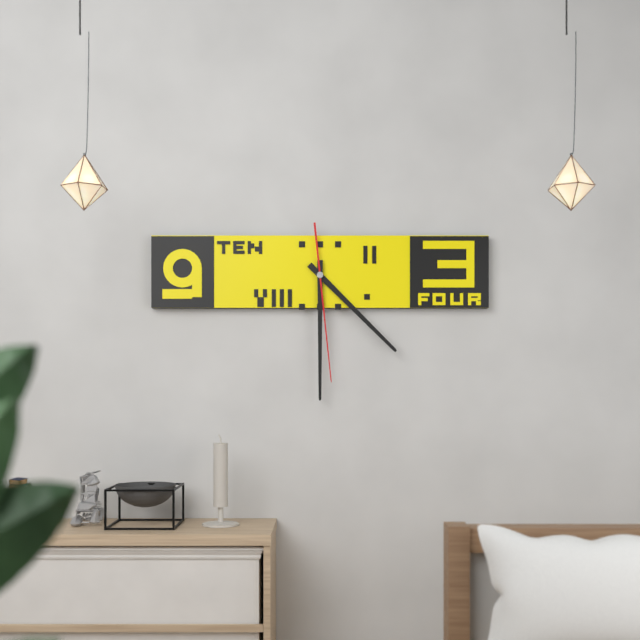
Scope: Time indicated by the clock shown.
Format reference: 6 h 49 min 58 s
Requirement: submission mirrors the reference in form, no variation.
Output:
4 h 30 min 29 s
